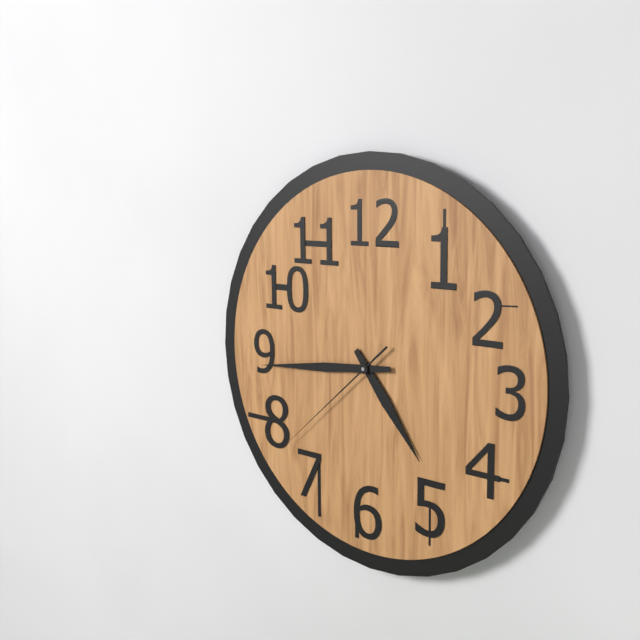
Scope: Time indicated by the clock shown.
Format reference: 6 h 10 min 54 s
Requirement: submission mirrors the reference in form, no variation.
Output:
4 h 44 min 38 s
